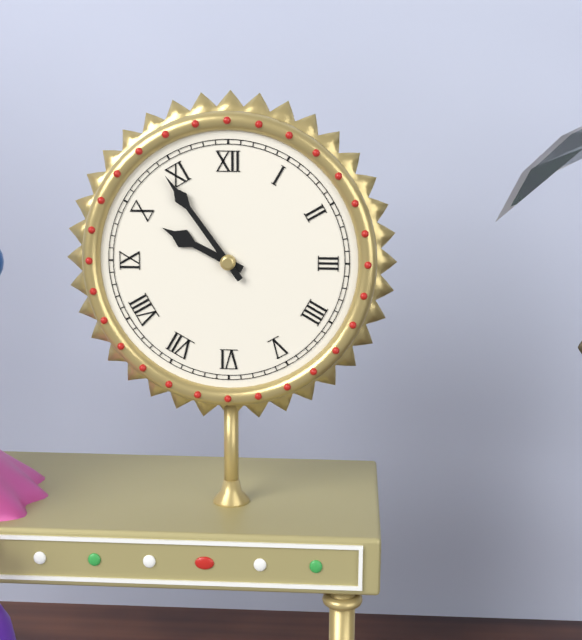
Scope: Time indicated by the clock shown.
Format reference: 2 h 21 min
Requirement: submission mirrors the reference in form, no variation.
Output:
9 h 54 min
